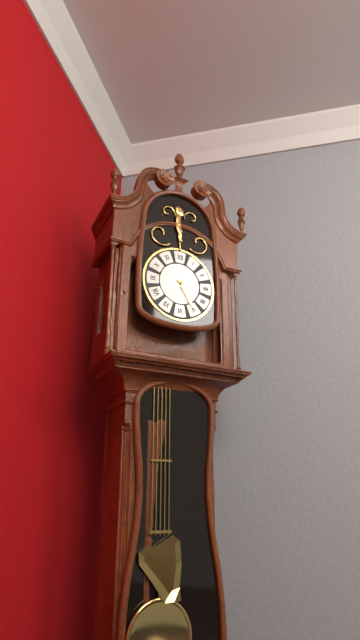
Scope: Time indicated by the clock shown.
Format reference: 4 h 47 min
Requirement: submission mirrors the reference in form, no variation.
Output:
7 h 25 min
